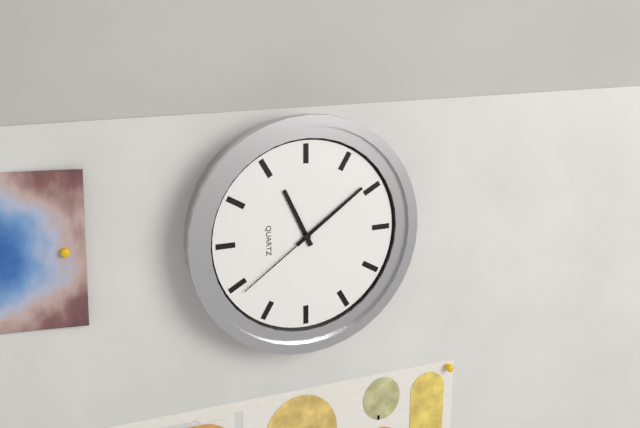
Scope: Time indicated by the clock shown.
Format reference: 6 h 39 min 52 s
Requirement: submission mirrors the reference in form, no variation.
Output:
11 h 09 min 39 s
